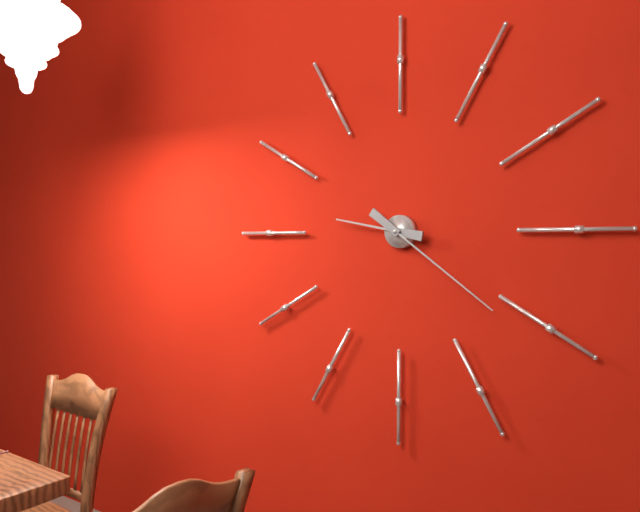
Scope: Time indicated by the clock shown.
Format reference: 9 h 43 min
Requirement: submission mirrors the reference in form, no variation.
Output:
9 h 21 min
